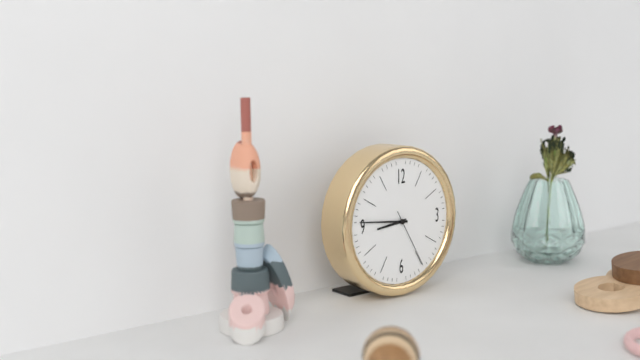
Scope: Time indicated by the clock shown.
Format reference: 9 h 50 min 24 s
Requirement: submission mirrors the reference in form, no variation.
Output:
8 h 46 min 25 s
